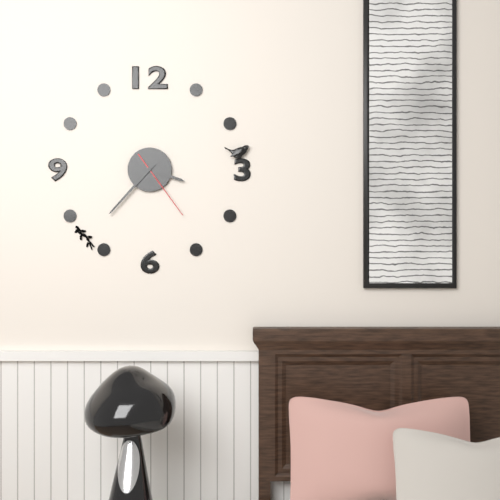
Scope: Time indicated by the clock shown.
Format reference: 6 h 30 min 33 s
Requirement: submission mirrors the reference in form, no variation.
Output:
3 h 37 min 24 s
